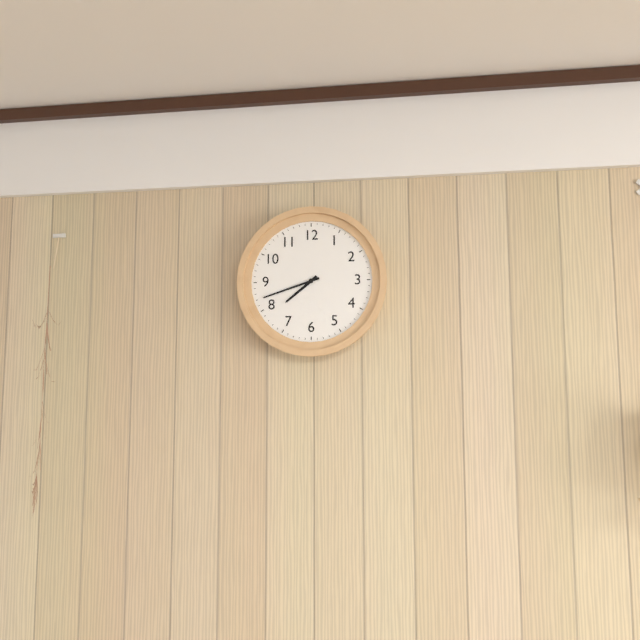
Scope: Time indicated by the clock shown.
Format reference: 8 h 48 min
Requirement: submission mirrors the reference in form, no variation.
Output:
7 h 42 min
